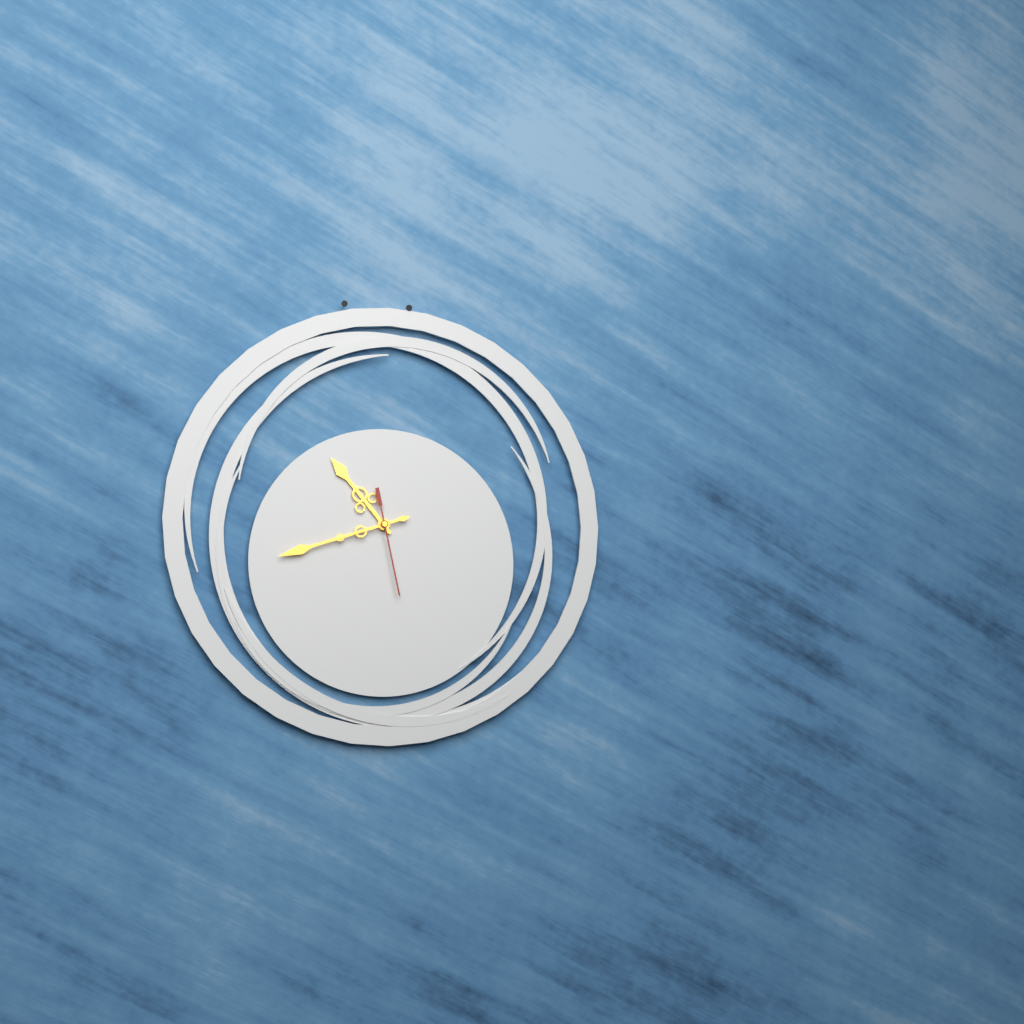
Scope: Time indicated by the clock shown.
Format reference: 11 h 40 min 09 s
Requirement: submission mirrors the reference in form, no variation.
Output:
10 h 42 min 28 s
